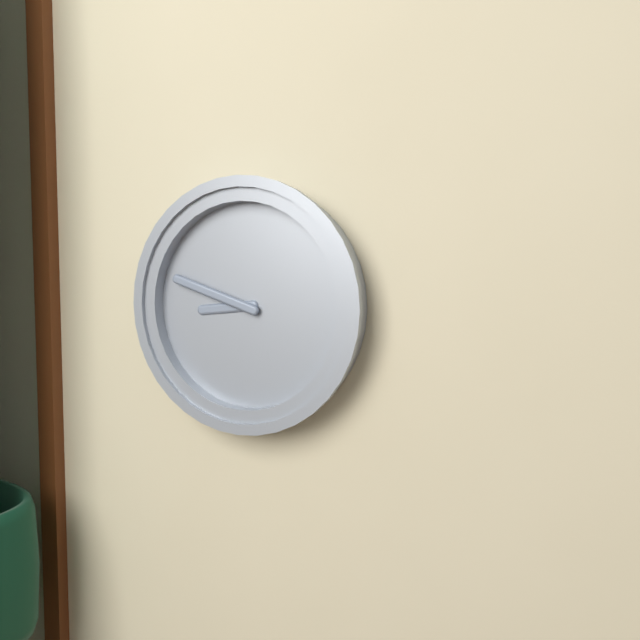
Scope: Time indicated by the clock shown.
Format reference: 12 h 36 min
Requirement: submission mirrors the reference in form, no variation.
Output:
8 h 48 min
